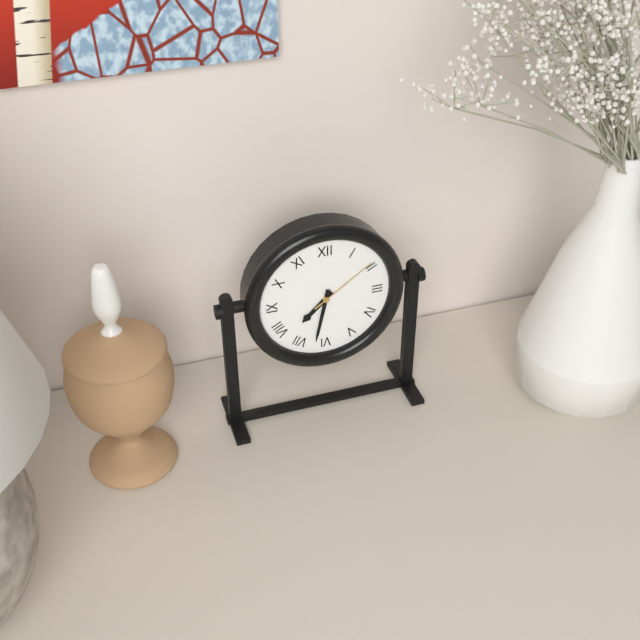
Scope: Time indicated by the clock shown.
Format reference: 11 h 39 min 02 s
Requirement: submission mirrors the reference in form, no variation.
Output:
7 h 32 min 09 s
